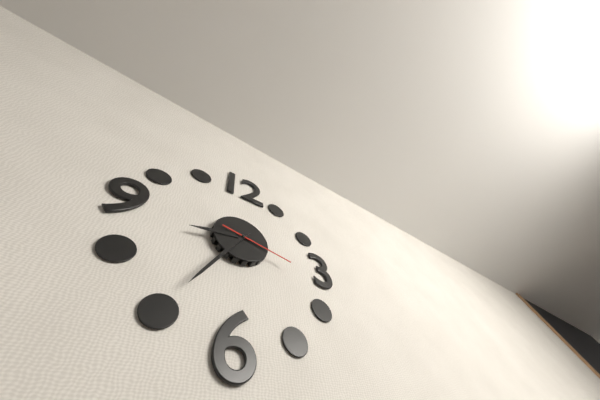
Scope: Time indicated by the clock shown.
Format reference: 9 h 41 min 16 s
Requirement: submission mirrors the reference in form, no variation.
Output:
8 h 35 min 17 s
